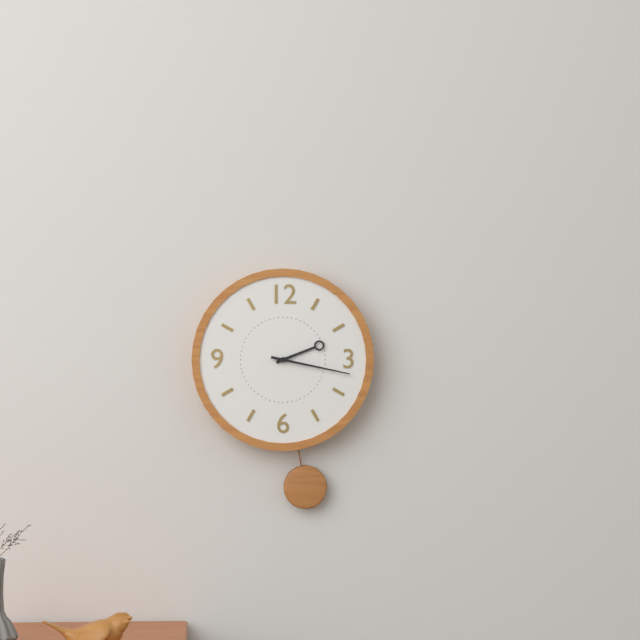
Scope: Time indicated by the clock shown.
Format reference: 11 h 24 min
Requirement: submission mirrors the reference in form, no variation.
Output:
2 h 17 min
